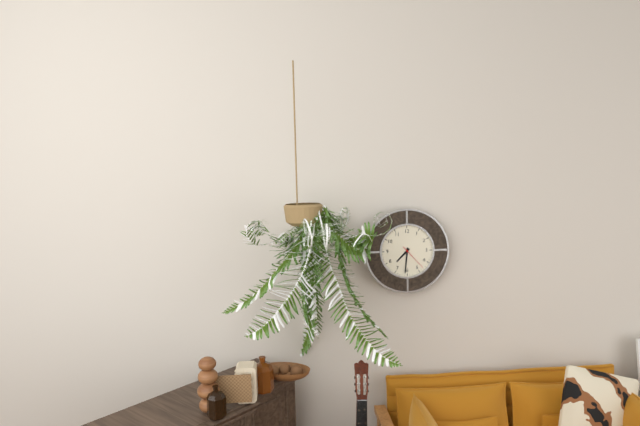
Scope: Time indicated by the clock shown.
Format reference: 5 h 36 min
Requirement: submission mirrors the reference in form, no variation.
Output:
7 h 31 min
